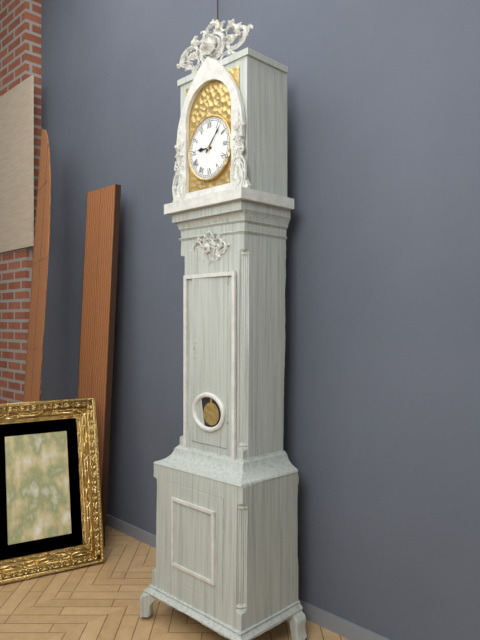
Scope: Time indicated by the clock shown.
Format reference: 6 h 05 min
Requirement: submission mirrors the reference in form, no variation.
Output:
9 h 07 min
